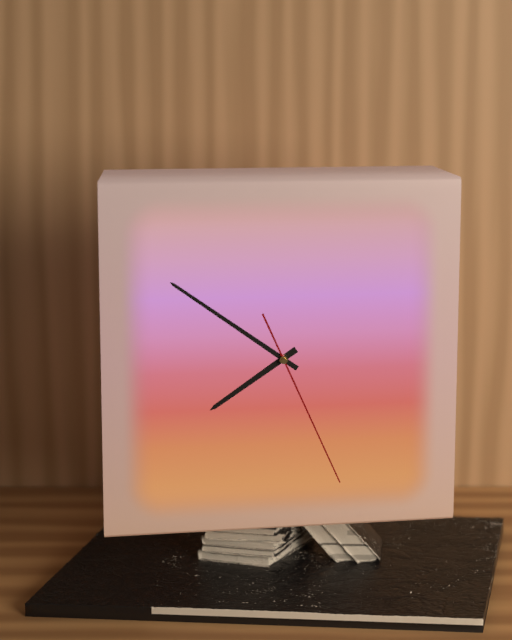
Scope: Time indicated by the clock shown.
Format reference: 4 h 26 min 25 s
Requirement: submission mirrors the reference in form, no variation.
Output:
7 h 51 min 26 s
